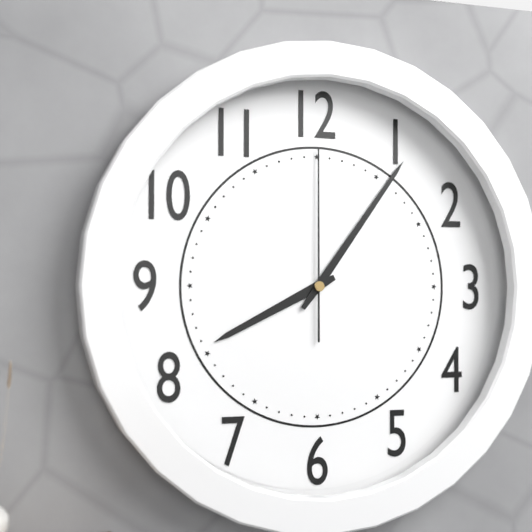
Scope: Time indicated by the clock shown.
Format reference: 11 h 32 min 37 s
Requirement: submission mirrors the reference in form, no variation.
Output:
8 h 06 min 00 s
